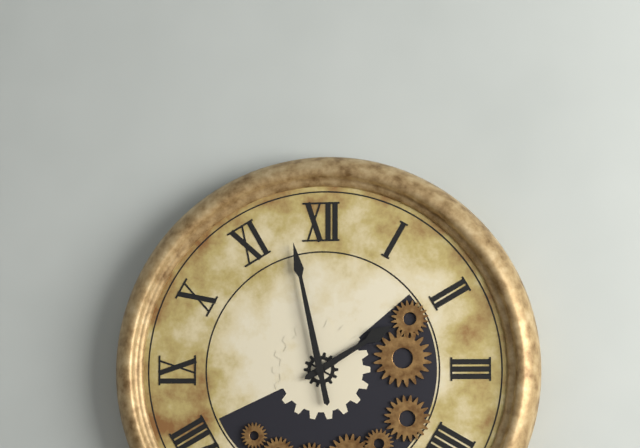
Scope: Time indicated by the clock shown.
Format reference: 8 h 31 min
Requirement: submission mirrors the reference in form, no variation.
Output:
1 h 58 min
